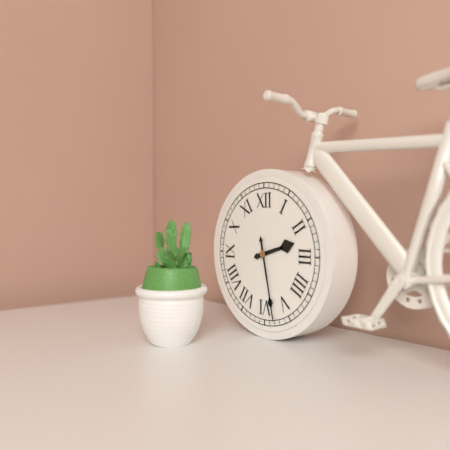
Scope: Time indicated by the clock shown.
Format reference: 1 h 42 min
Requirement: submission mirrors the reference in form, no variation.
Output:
2 h 28 min
